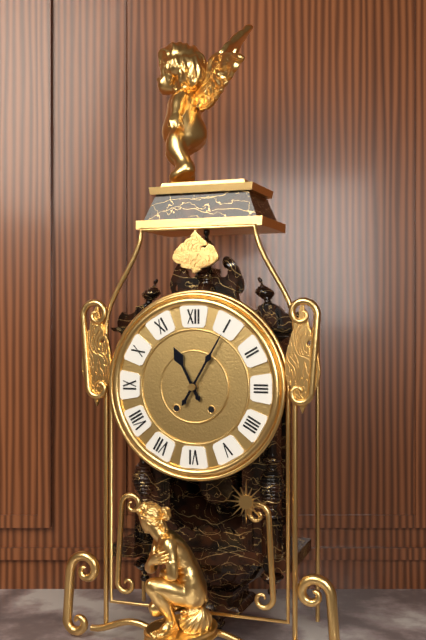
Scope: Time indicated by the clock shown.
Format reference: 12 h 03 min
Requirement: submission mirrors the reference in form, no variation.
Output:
11 h 05 min
